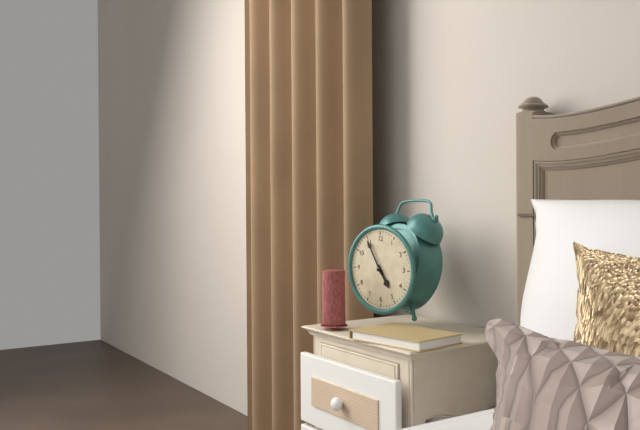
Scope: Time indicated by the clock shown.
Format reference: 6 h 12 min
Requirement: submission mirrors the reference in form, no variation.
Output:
4 h 55 min
